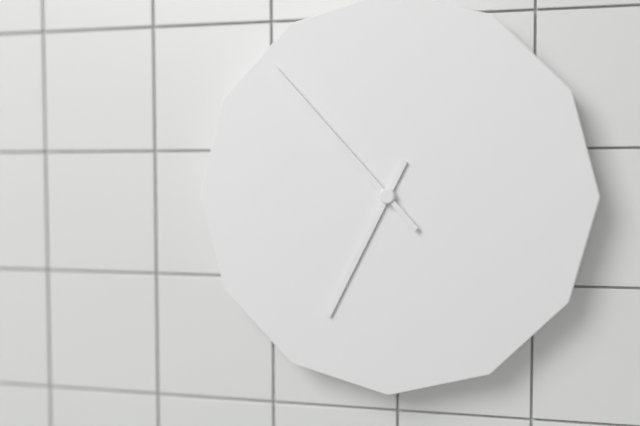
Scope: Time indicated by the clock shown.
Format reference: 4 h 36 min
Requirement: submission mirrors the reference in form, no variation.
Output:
6 h 53 min
